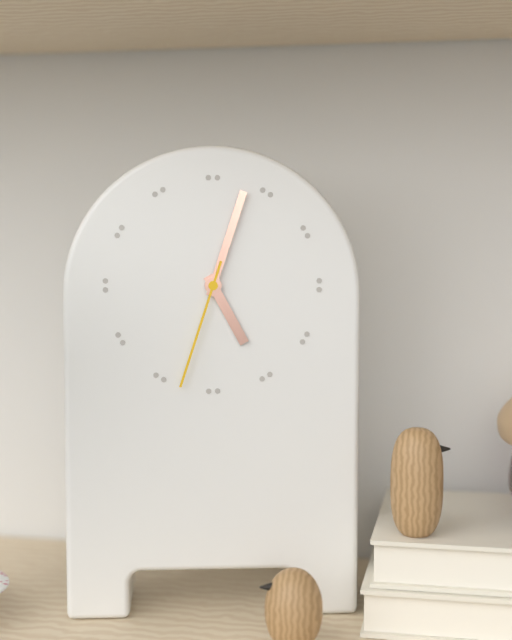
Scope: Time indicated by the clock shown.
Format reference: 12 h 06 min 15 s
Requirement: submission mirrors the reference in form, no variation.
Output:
5 h 03 min 33 s
